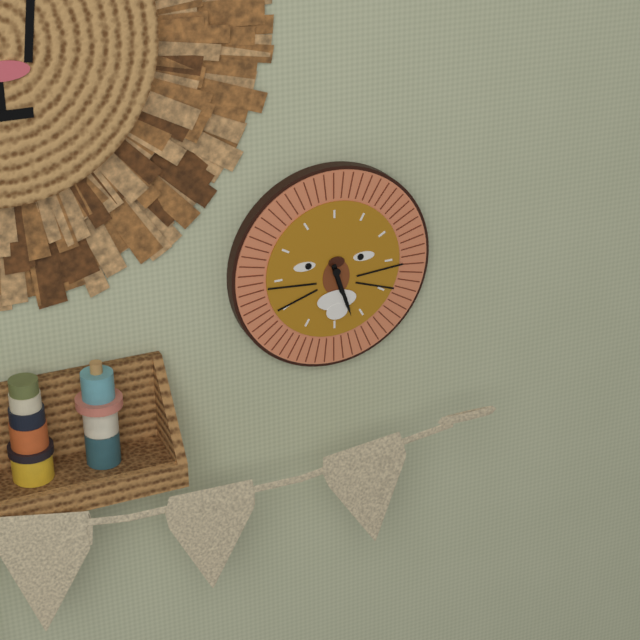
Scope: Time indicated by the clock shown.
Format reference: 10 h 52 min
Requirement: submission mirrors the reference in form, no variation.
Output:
5 h 27 min
